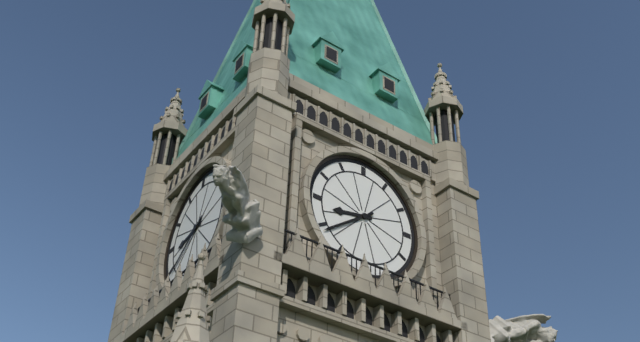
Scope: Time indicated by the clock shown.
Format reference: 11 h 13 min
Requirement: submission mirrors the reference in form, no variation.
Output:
8 h 39 min
